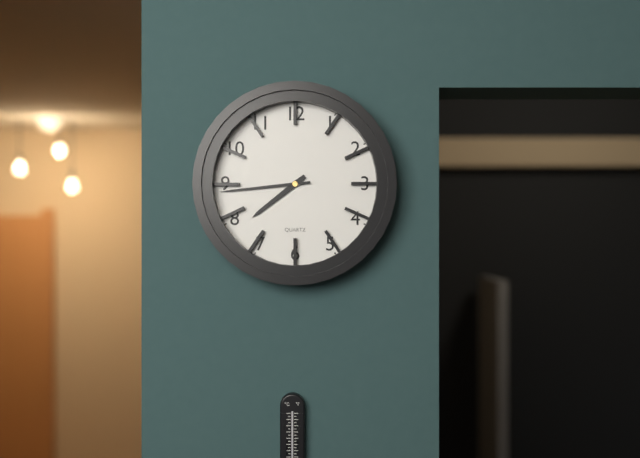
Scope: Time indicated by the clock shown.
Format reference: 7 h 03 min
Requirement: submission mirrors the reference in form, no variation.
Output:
7 h 44 min
